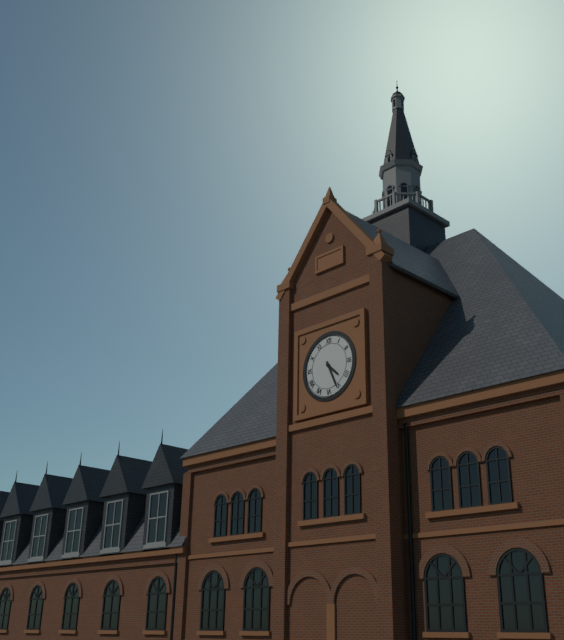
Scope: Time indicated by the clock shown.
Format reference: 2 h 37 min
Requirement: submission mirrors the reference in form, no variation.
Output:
4 h 26 min
